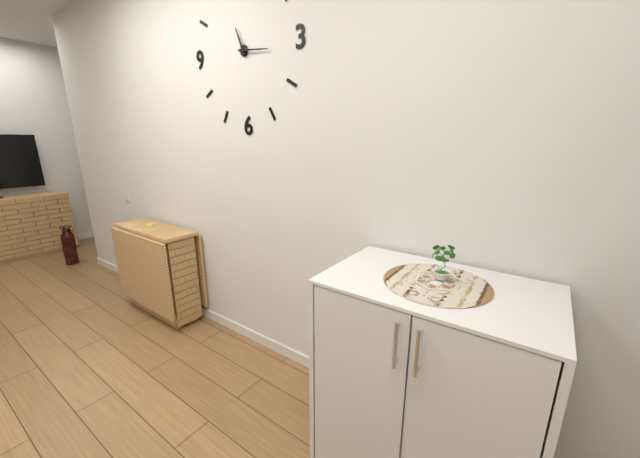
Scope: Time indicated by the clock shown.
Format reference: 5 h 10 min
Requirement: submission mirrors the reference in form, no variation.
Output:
11 h 16 min
